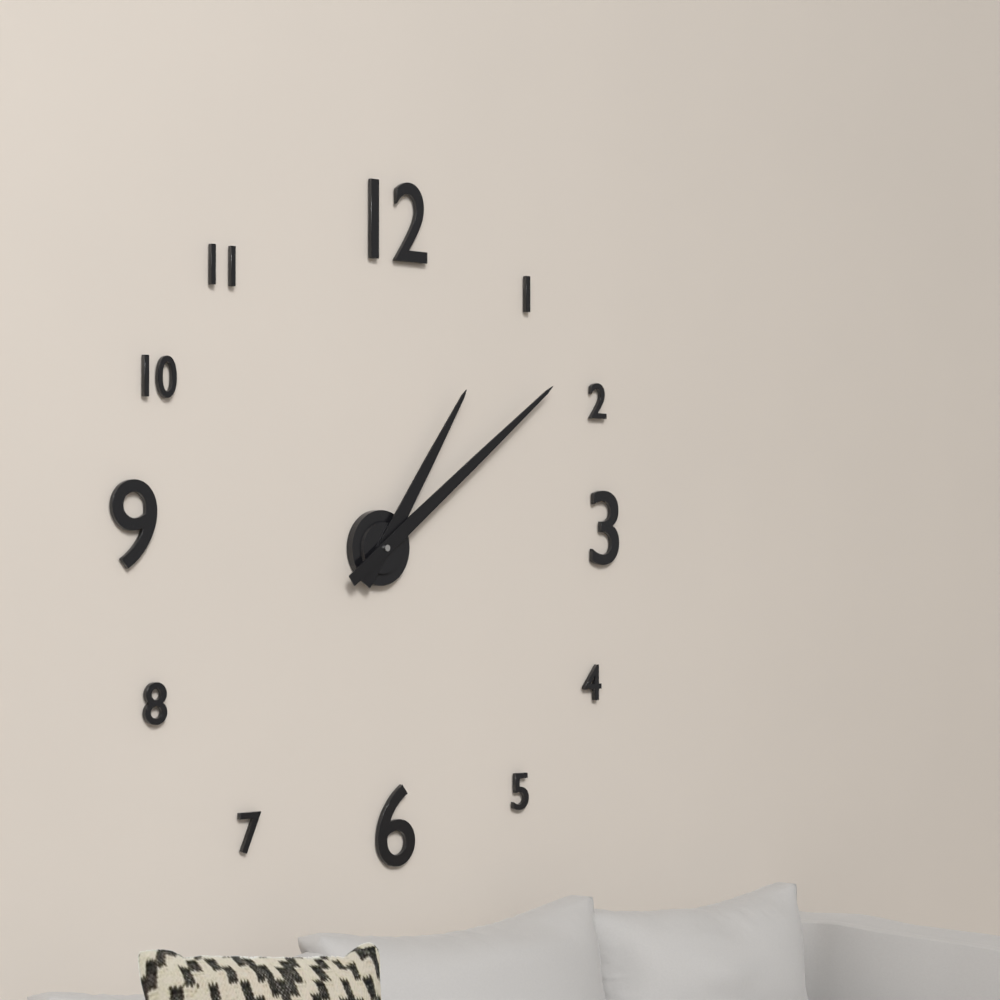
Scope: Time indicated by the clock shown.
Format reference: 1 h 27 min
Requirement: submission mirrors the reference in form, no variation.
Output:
1 h 09 min
